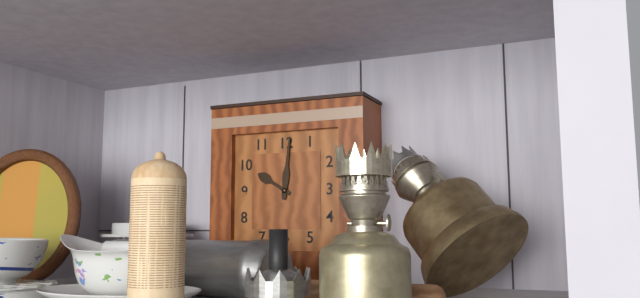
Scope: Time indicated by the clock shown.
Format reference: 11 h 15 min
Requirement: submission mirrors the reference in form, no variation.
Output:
10 h 01 min
